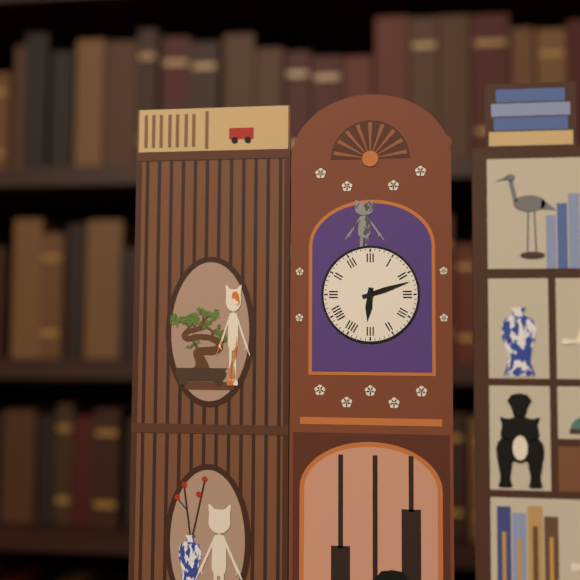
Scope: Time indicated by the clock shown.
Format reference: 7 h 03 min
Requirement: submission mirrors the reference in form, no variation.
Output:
6 h 12 min
